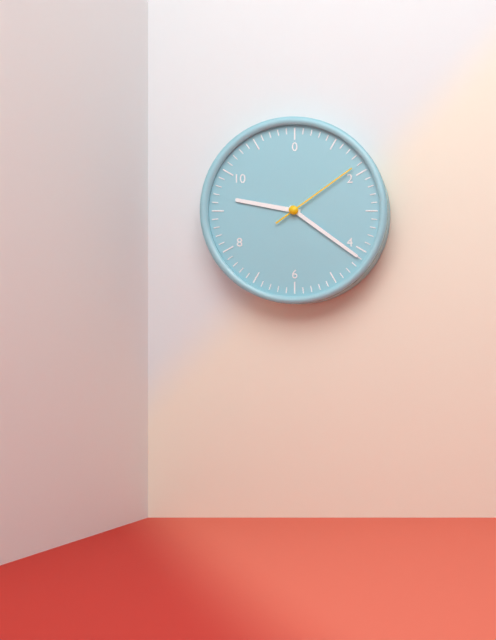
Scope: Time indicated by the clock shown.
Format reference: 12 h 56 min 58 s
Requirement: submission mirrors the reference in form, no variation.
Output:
9 h 21 min 09 s
